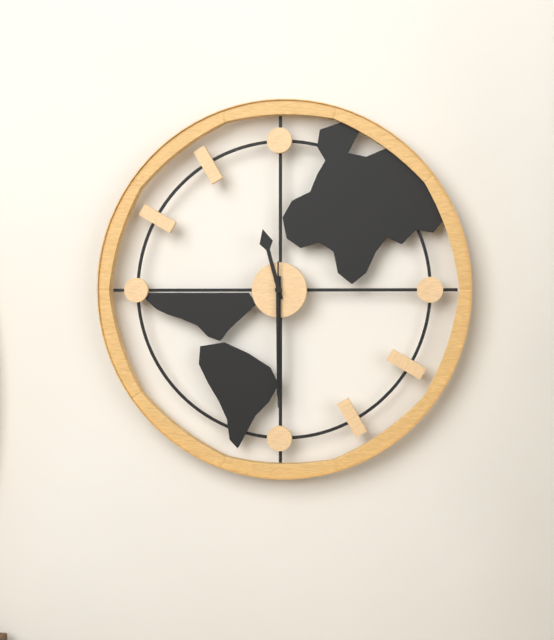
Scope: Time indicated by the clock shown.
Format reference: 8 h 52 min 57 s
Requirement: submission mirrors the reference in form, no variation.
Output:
11 h 30 min 30 s
